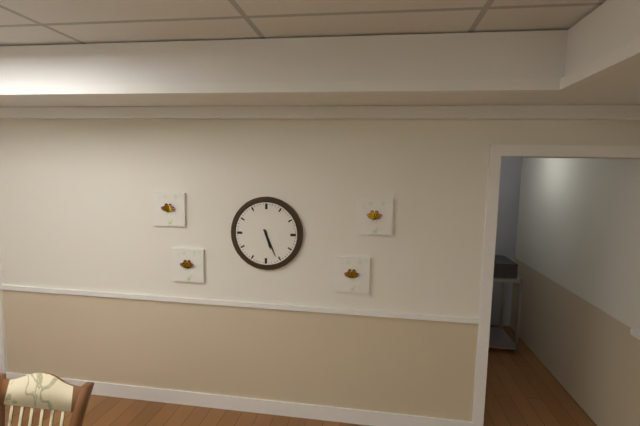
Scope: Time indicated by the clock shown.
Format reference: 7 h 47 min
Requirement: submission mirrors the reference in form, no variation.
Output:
5 h 26 min
